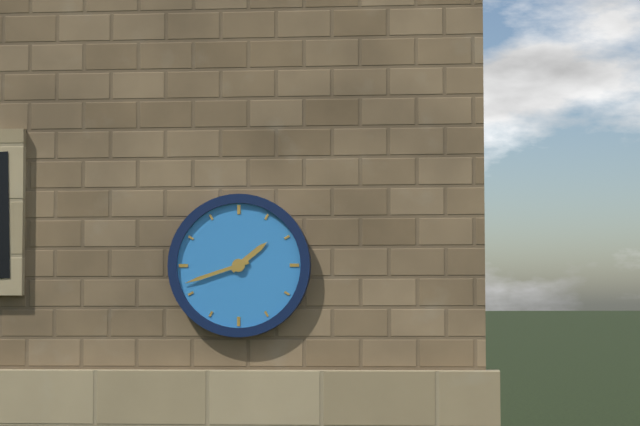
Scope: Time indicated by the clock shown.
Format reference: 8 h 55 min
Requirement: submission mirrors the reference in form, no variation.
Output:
1 h 42 min
